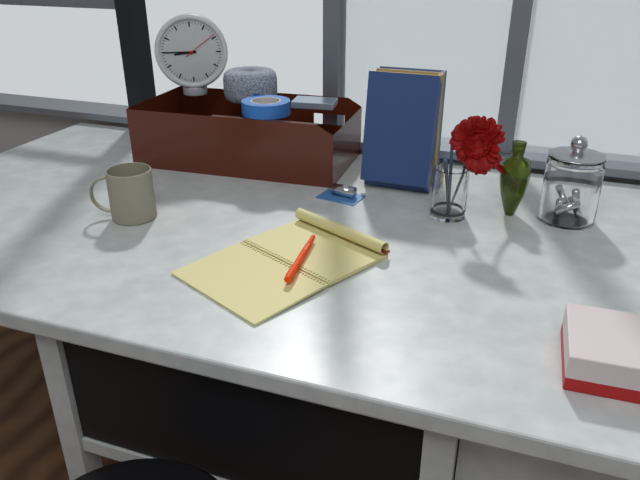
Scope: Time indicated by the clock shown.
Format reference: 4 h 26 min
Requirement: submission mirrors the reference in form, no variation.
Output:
8 h 45 min
